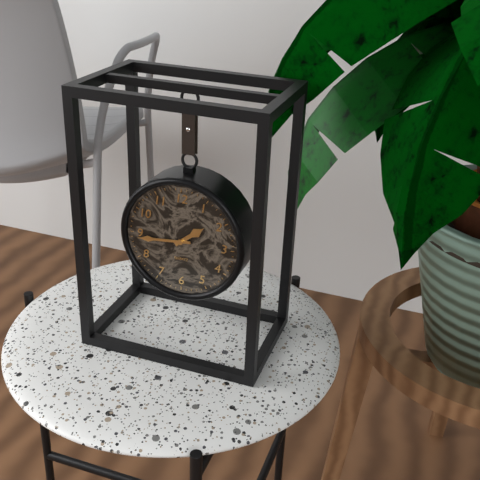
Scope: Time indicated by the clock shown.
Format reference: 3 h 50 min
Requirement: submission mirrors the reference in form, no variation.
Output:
1 h 44 min
